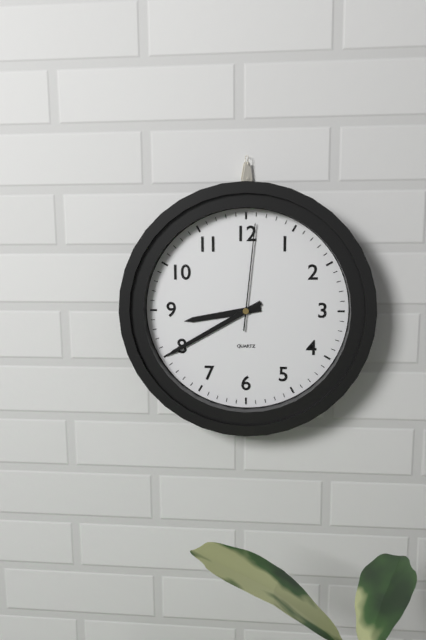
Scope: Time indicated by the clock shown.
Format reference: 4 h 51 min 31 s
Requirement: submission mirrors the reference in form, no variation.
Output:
8 h 40 min 01 s
